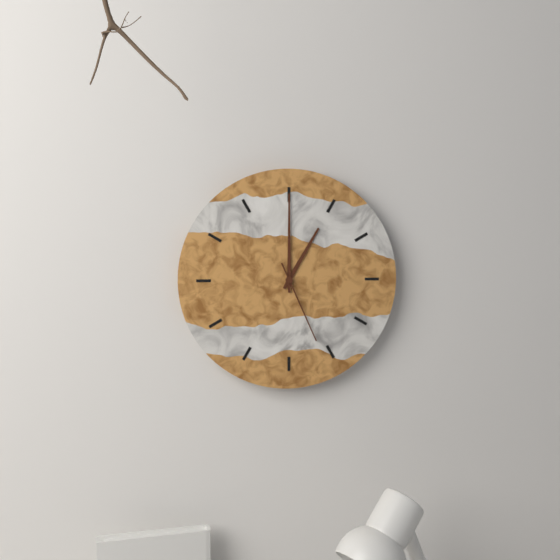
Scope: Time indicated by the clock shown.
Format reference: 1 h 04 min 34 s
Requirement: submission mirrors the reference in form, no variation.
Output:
1 h 00 min 26 s
